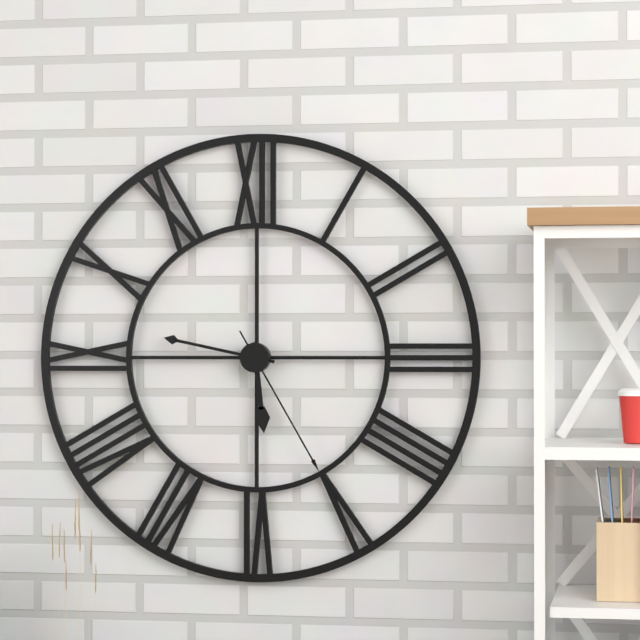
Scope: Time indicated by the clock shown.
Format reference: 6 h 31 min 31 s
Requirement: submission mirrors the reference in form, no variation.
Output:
5 h 47 min 25 s
